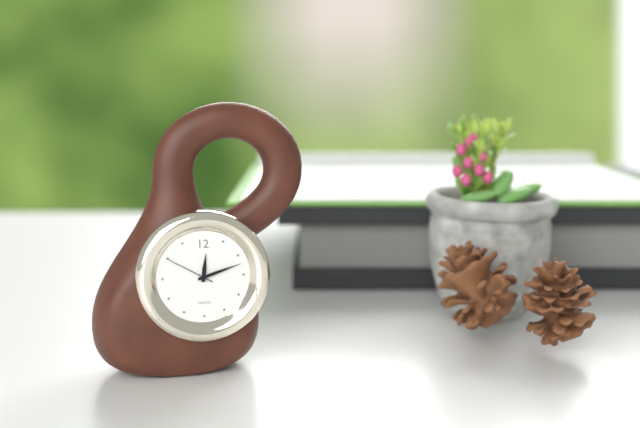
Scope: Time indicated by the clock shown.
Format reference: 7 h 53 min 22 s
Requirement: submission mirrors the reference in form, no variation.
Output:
12 h 12 min 50 s
